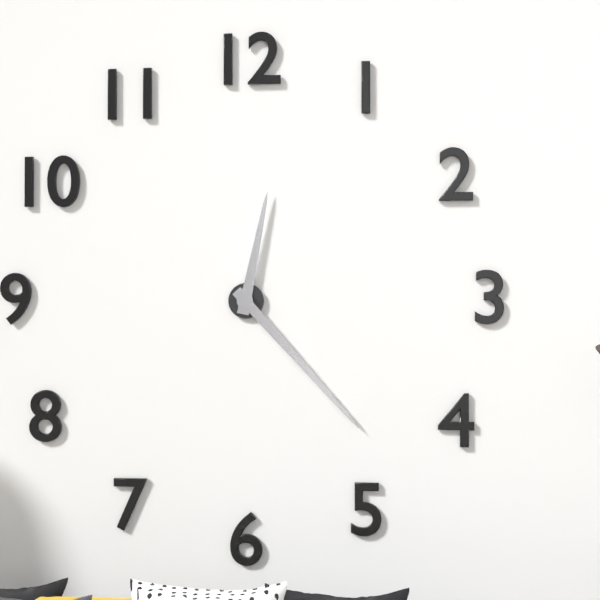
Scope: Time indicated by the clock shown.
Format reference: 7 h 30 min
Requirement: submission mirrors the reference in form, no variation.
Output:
12 h 23 min
